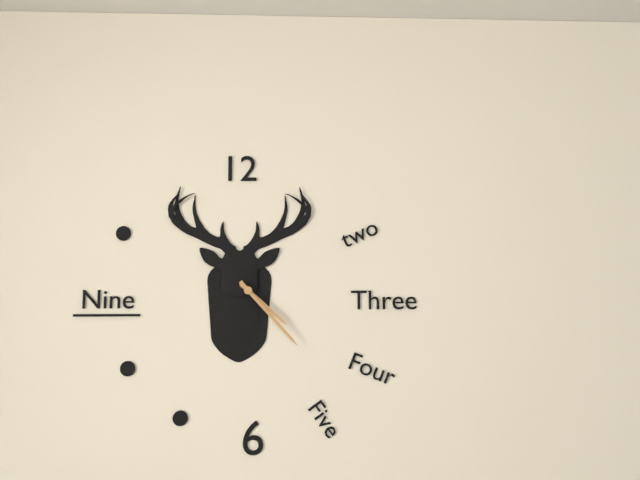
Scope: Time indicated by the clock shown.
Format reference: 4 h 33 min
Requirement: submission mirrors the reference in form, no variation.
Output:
4 h 23 min
